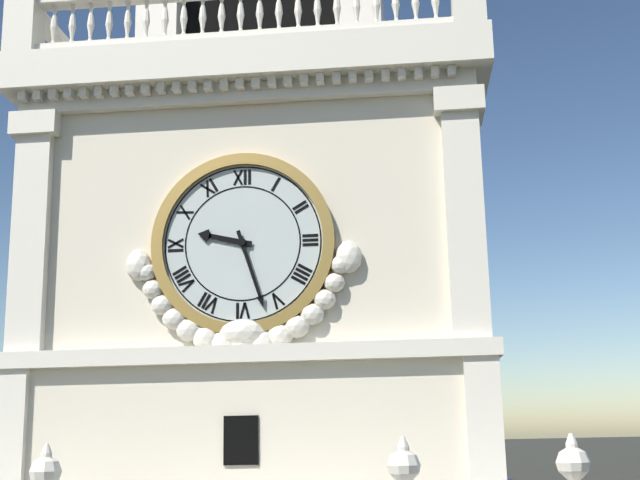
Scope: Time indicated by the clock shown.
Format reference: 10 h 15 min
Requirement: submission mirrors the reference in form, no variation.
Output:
9 h 27 min
